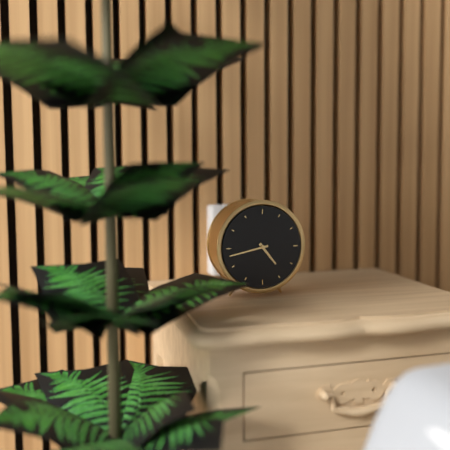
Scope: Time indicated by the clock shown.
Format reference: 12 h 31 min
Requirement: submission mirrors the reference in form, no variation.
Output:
4 h 43 min
